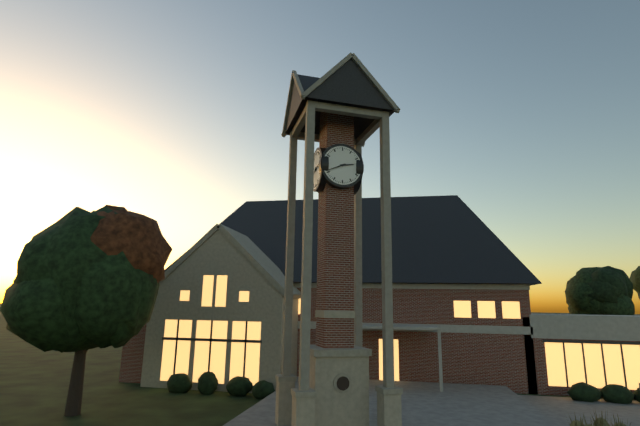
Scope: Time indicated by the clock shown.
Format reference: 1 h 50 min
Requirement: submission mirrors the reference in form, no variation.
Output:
2 h 41 min
